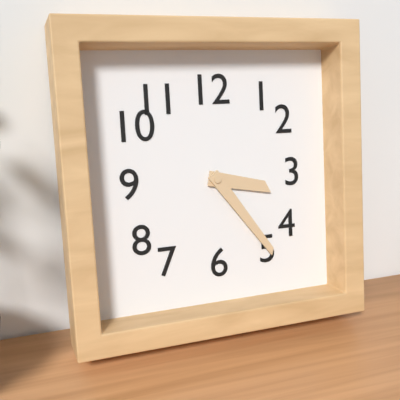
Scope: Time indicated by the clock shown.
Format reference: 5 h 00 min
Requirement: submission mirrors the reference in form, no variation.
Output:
3 h 24 min
